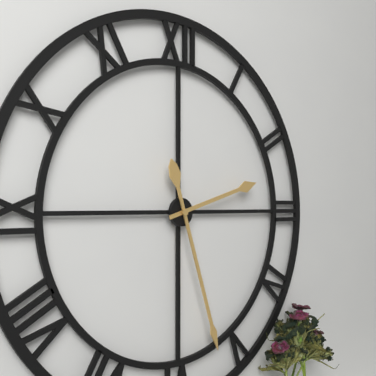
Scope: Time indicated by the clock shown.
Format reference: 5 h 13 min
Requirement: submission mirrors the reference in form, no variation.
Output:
2 h 27 min
